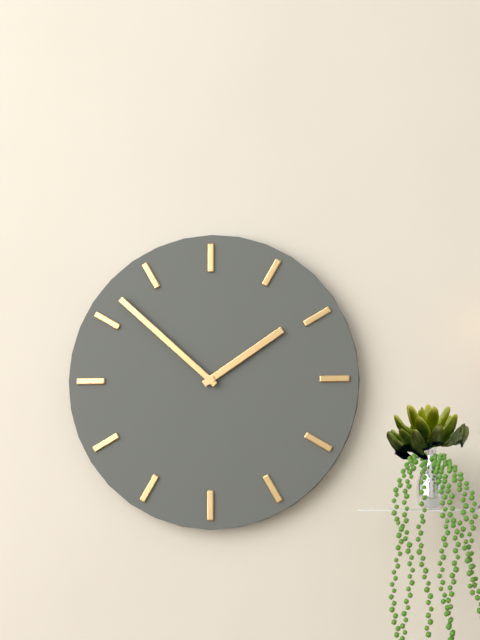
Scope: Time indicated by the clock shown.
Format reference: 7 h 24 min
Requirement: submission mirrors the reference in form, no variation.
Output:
1 h 52 min
